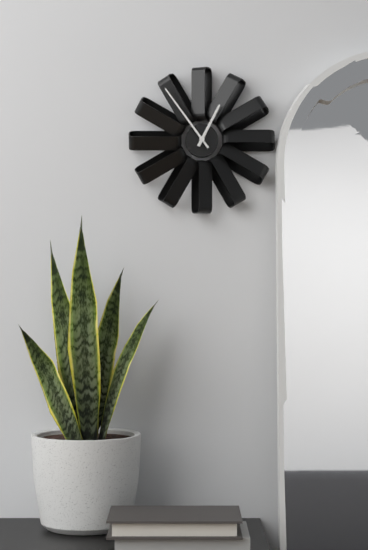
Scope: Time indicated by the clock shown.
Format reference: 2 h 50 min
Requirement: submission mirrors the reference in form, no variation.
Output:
12 h 54 min
